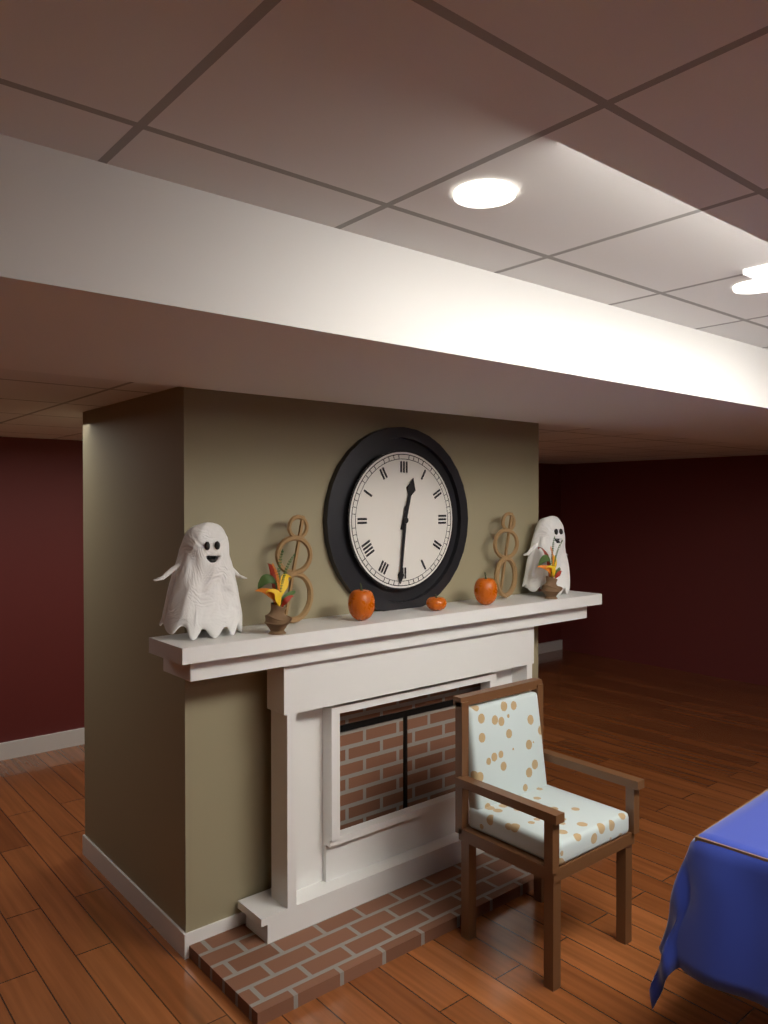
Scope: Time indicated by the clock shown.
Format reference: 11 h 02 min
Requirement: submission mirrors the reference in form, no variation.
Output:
12 h 31 min
